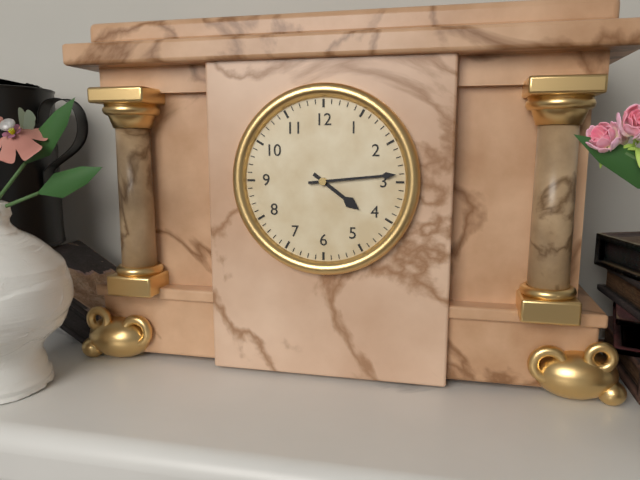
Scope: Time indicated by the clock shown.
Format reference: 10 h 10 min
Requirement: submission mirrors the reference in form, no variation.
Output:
4 h 14 min
